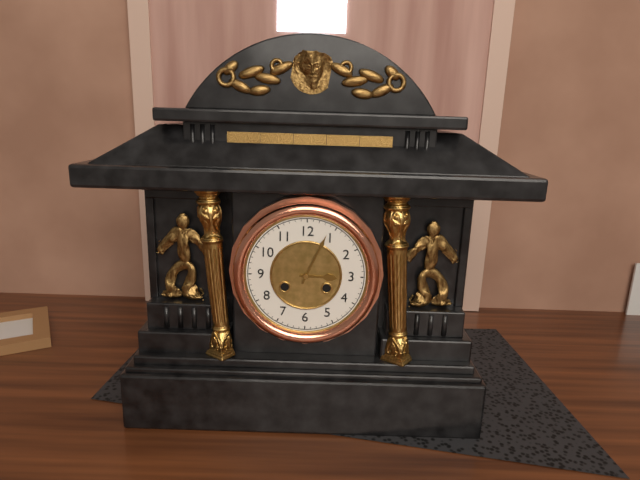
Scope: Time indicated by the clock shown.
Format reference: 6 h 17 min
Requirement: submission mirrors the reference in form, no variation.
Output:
3 h 04 min
